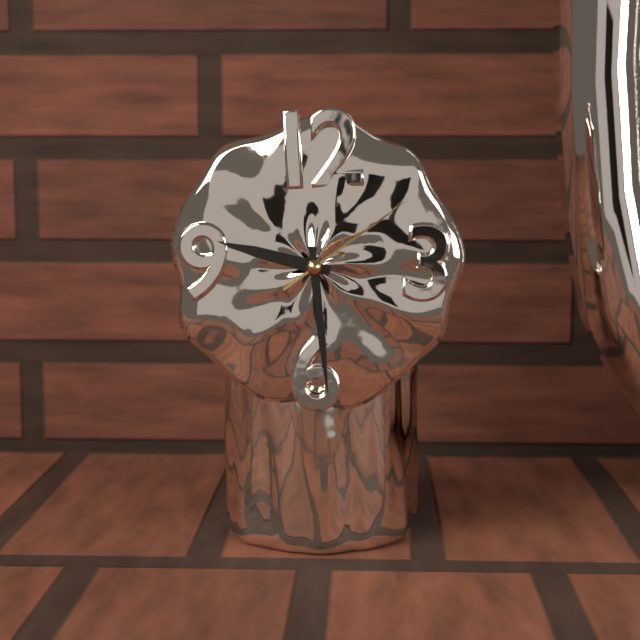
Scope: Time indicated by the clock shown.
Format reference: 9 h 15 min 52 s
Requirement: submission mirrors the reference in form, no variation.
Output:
9 h 29 min 09 s
